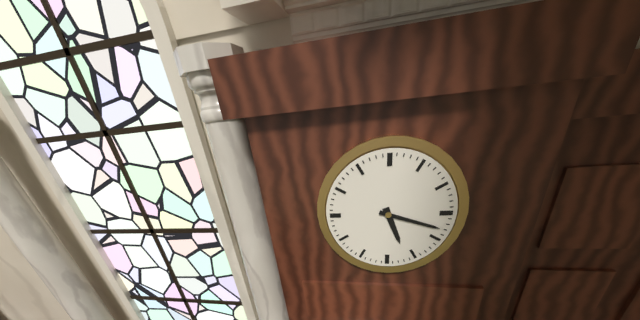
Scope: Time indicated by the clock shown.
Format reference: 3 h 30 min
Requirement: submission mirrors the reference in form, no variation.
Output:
5 h 18 min
